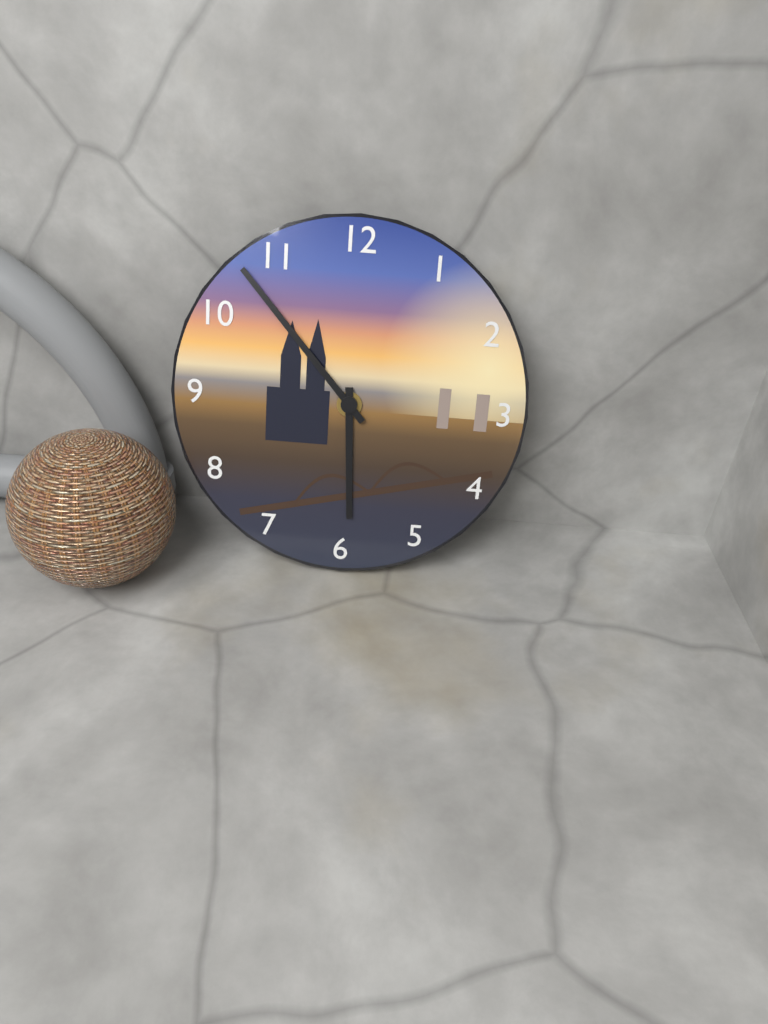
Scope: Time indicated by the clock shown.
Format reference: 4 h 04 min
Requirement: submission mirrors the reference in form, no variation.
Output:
5 h 53 min
